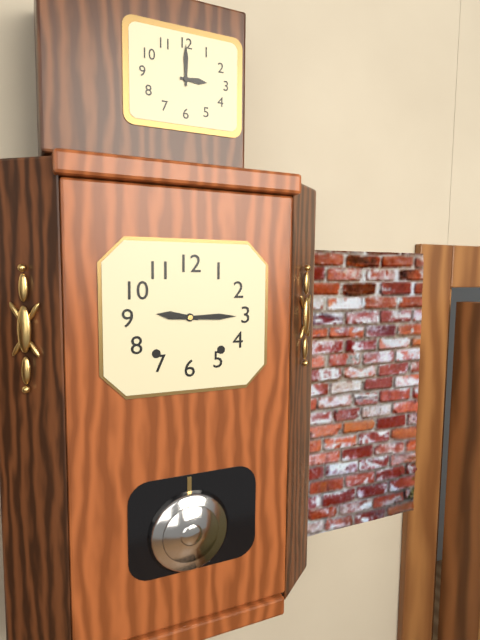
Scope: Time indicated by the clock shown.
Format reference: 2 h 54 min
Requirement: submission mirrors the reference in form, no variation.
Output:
9 h 15 min
